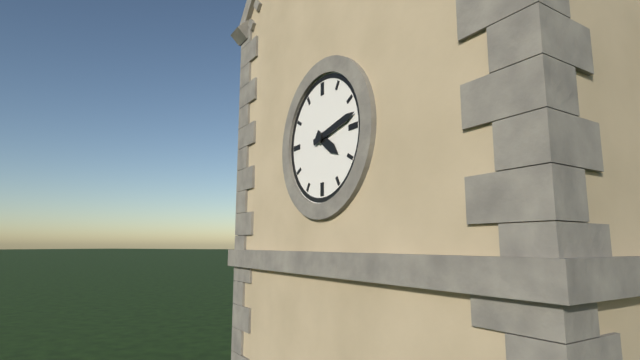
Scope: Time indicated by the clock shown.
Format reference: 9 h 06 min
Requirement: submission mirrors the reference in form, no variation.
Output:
4 h 13 min
